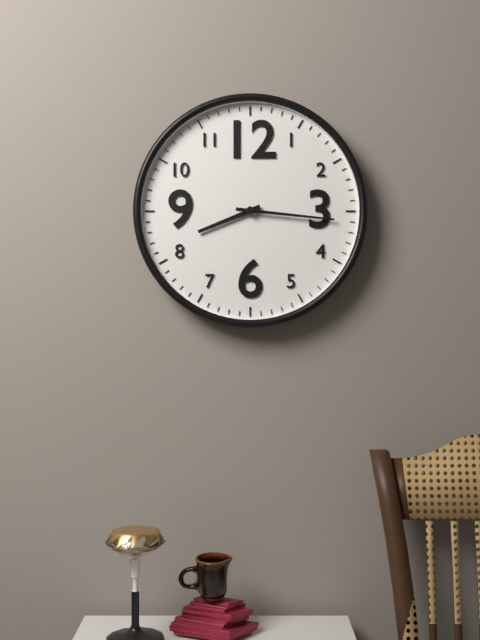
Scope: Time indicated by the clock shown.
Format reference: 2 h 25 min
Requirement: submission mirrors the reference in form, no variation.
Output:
8 h 16 min
